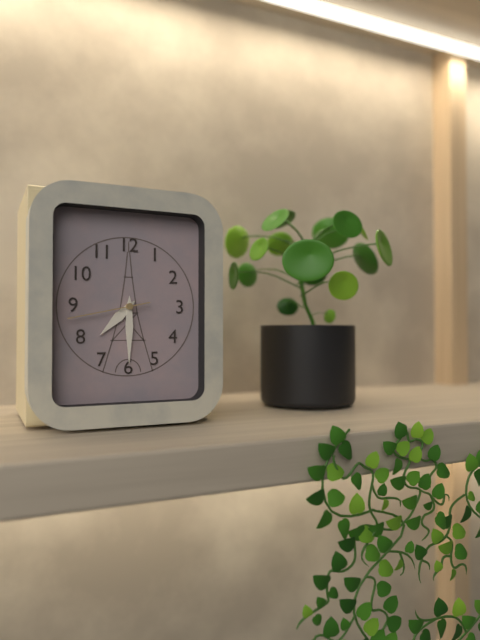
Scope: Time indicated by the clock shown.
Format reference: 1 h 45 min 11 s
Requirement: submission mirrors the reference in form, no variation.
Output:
7 h 30 min 43 s
